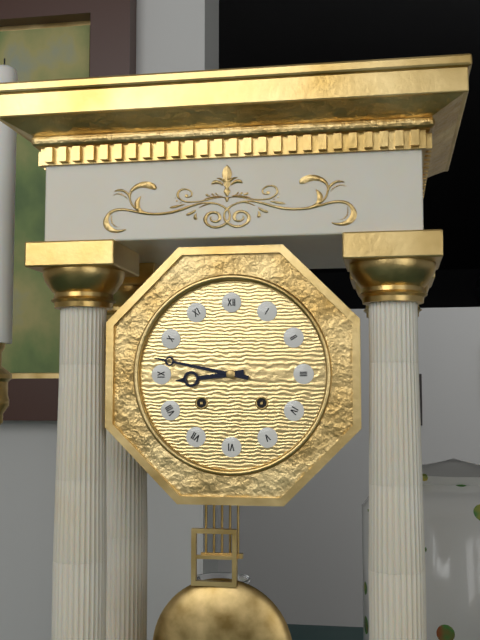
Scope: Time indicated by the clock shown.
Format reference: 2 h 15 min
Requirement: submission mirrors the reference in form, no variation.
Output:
8 h 47 min
